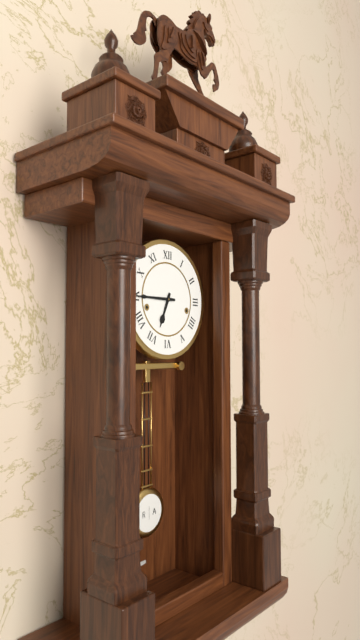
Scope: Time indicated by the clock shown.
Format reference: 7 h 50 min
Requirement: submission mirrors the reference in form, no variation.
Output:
6 h 45 min
